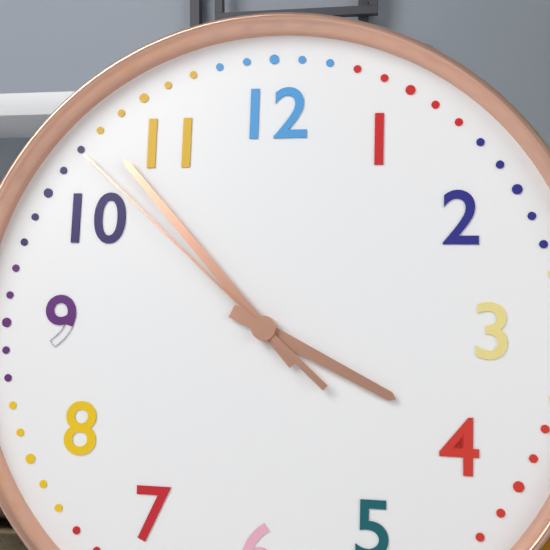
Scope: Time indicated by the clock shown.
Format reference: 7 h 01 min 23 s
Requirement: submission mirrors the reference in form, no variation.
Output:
3 h 53 min 52 s
